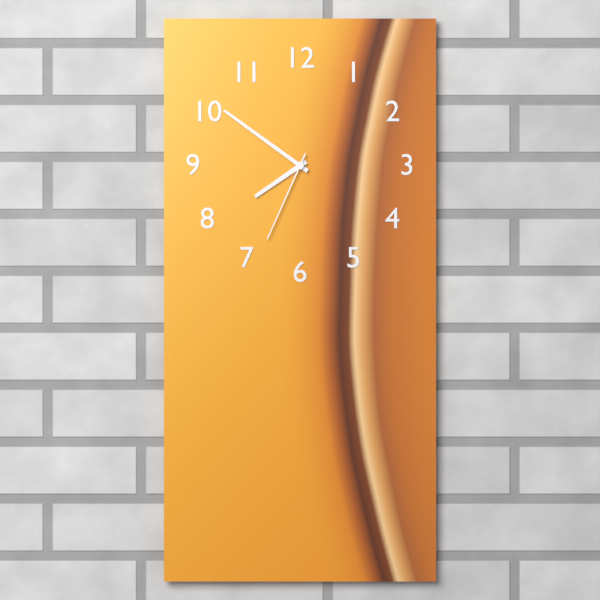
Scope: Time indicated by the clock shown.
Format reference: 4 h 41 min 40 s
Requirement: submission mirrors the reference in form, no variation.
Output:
7 h 51 min 34 s
